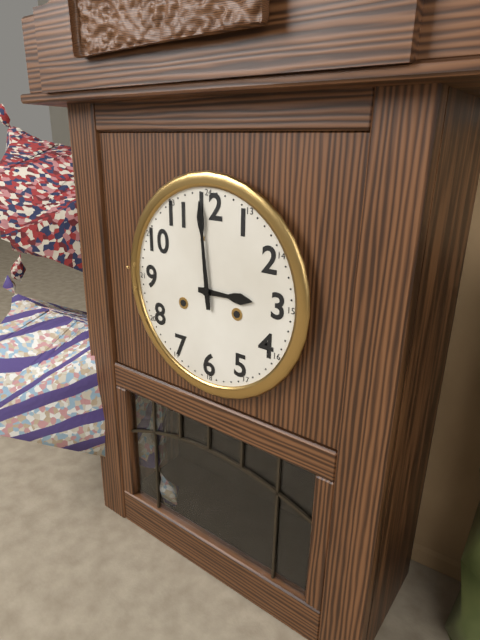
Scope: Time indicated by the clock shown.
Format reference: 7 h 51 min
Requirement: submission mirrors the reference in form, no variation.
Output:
2 h 59 min
